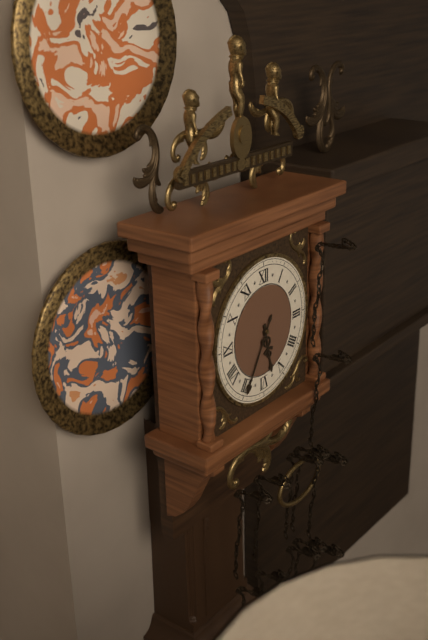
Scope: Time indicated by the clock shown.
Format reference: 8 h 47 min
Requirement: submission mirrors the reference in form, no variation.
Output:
5 h 35 min
